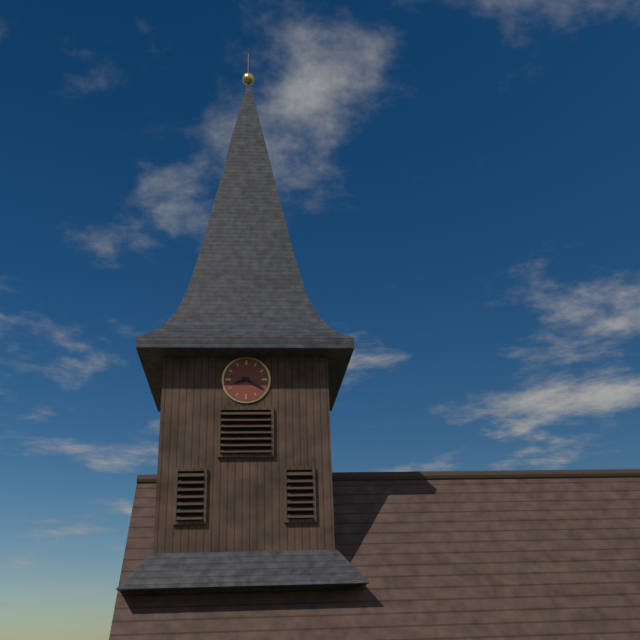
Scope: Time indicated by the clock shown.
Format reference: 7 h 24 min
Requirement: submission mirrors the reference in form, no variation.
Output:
8 h 20 min
